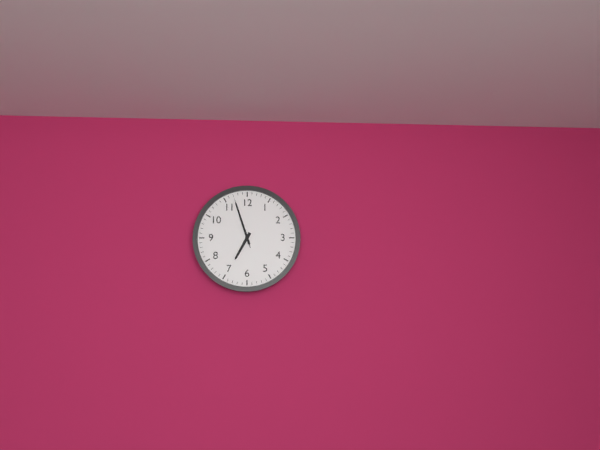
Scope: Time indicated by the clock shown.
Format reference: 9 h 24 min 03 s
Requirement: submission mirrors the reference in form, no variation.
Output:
6 h 57 min 57 s
